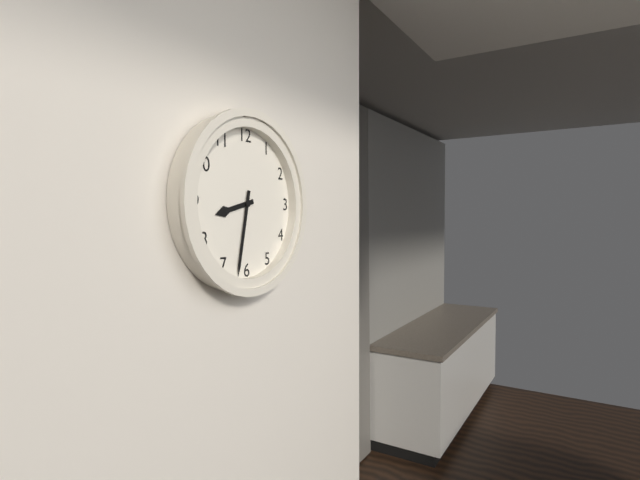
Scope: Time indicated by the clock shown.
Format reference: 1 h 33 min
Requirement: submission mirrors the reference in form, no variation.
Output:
8 h 32 min
